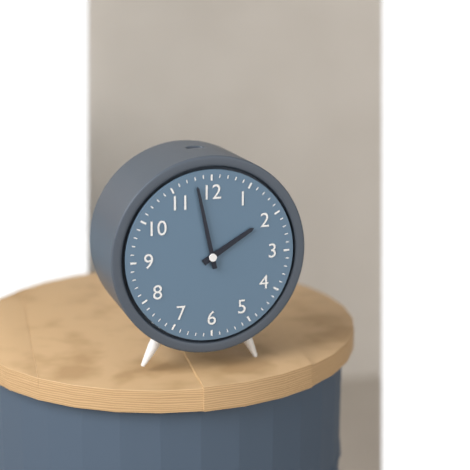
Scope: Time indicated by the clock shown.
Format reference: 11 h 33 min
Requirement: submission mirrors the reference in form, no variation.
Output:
1 h 58 min
